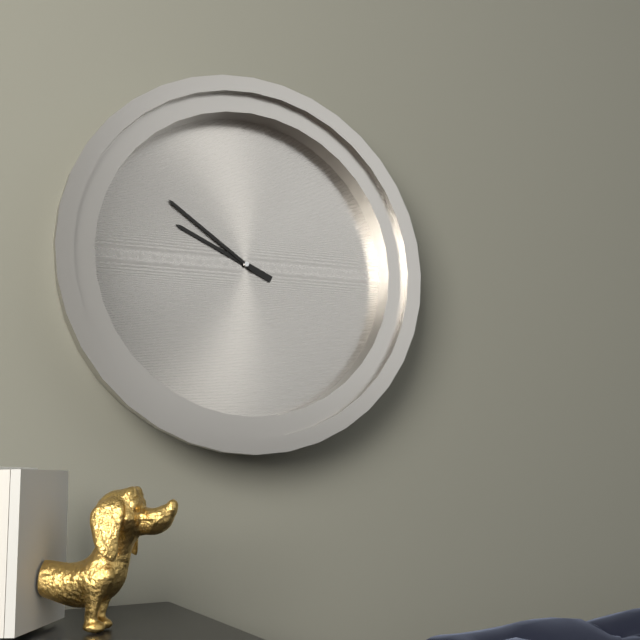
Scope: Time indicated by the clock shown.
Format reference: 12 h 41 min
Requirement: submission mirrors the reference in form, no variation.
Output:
9 h 51 min
